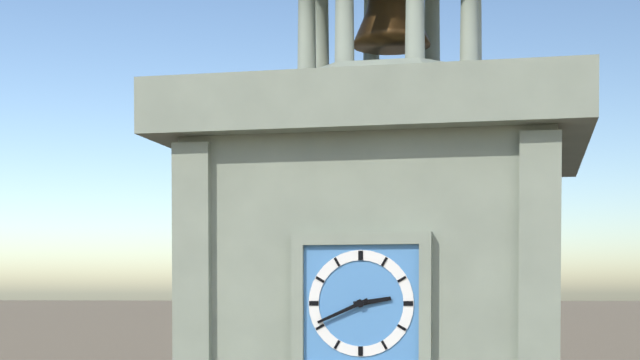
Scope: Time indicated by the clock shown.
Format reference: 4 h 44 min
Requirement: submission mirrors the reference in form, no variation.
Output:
2 h 41 min
